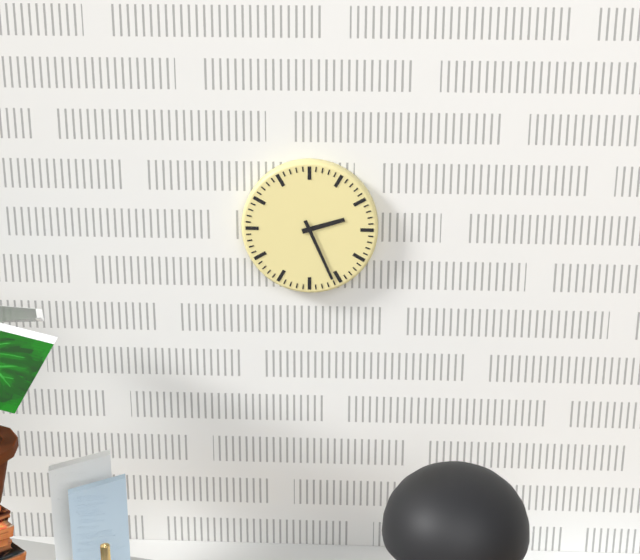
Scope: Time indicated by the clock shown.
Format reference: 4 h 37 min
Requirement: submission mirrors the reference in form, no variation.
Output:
2 h 26 min
